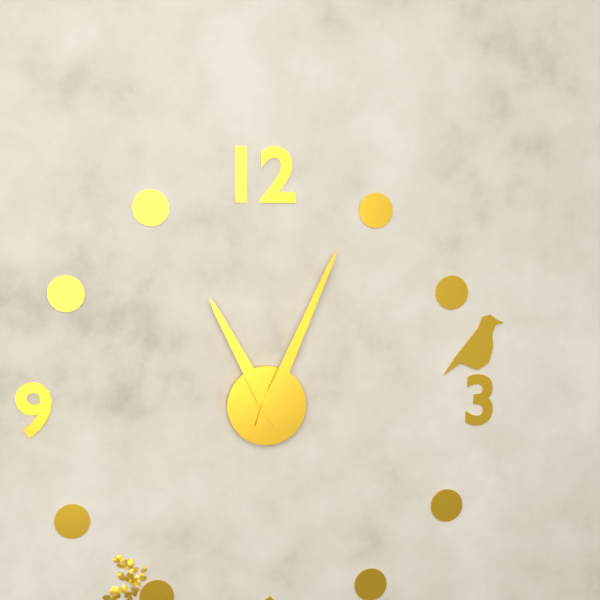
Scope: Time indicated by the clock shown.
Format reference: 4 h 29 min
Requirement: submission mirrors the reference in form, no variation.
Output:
11 h 04 min
